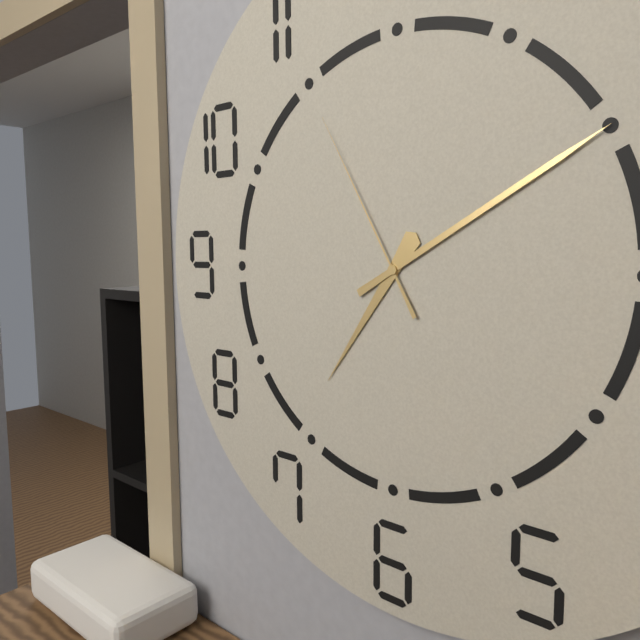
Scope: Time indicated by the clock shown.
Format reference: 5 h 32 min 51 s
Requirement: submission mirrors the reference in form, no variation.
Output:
7 h 10 min 55 s
